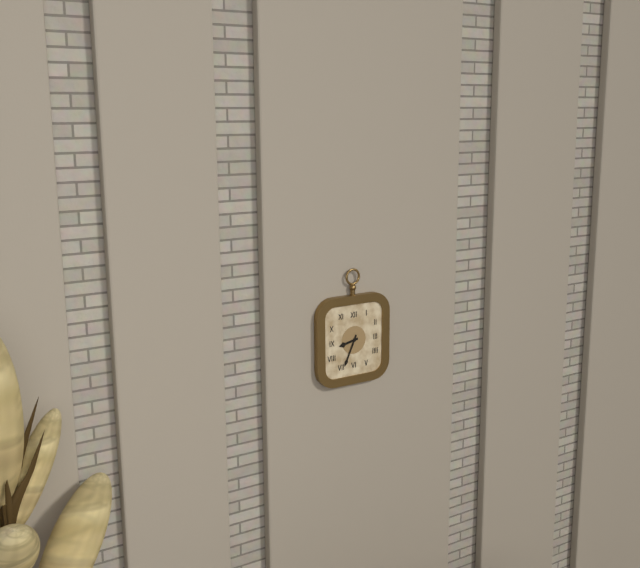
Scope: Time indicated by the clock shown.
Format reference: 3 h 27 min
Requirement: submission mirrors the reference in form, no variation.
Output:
8 h 34 min
